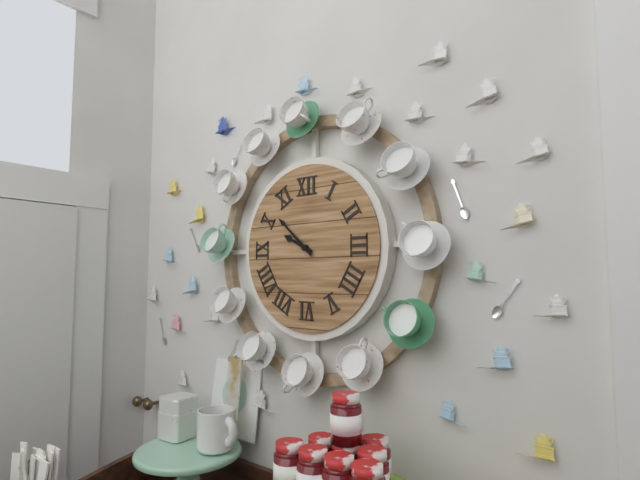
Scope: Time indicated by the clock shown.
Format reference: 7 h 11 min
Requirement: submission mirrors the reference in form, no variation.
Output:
9 h 52 min
